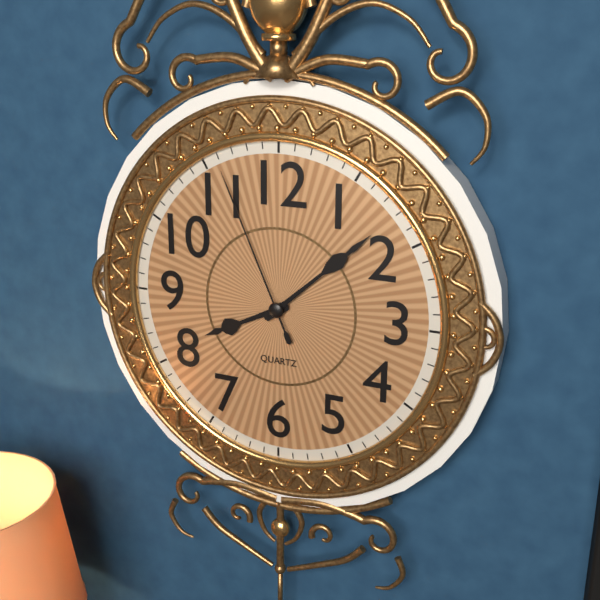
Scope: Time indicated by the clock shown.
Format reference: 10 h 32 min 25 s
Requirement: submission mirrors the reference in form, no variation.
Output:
8 h 08 min 56 s
